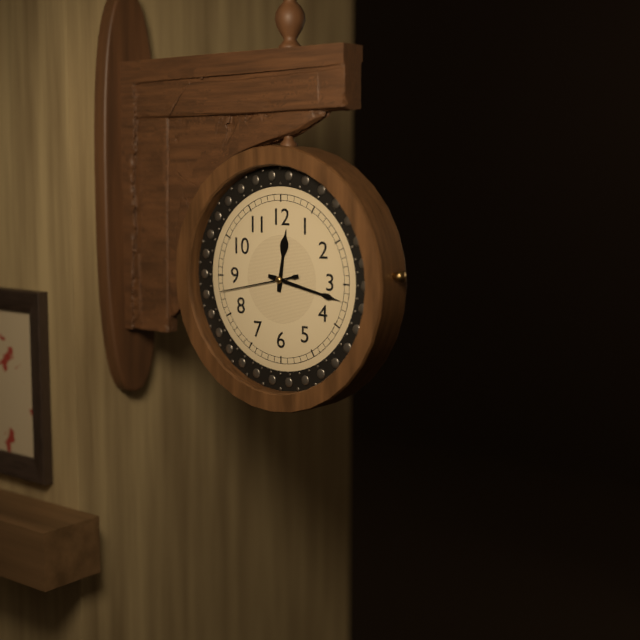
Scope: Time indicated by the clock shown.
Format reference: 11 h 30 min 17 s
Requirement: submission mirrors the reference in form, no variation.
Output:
12 h 17 min 43 s
